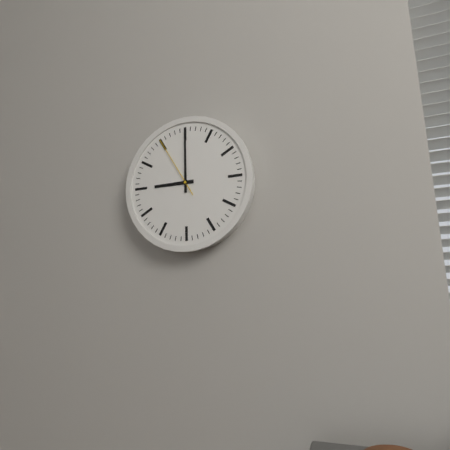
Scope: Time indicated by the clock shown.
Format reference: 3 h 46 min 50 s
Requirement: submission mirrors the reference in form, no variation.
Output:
9 h 00 min 55 s
